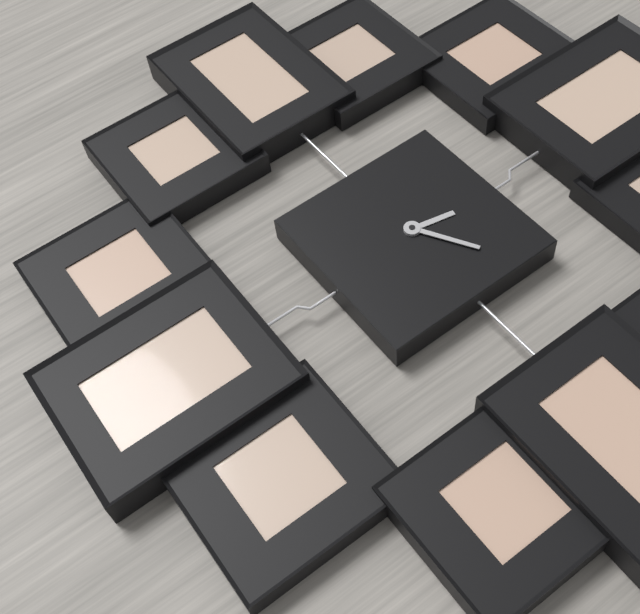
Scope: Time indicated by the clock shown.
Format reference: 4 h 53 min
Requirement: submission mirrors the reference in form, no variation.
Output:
3 h 25 min
